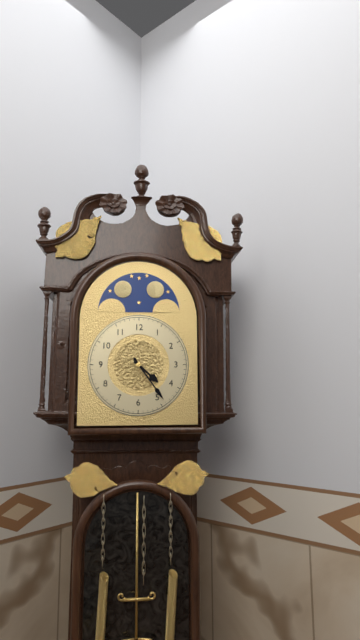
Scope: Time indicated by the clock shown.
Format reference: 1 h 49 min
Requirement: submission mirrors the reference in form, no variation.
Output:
4 h 24 min
